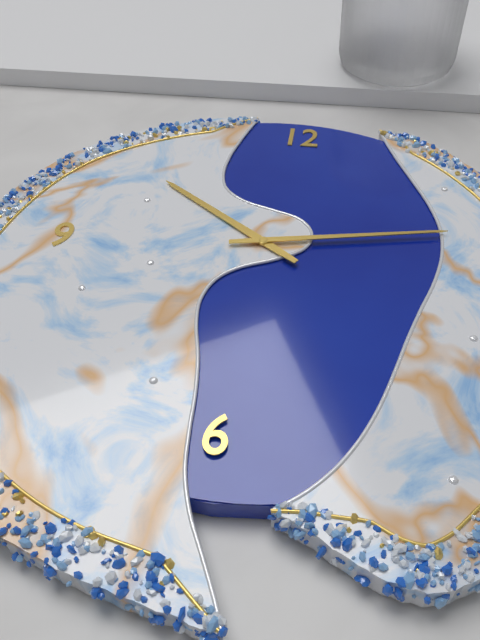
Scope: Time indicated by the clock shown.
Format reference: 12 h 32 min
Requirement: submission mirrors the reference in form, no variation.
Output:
10 h 13 min
